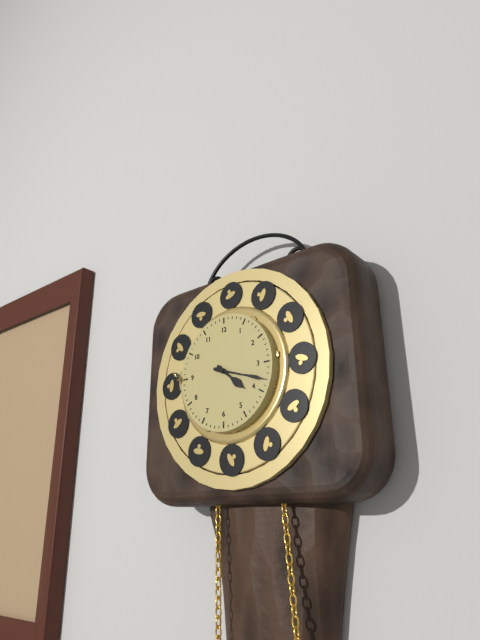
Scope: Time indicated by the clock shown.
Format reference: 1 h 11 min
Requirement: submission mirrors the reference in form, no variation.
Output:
4 h 18 min
